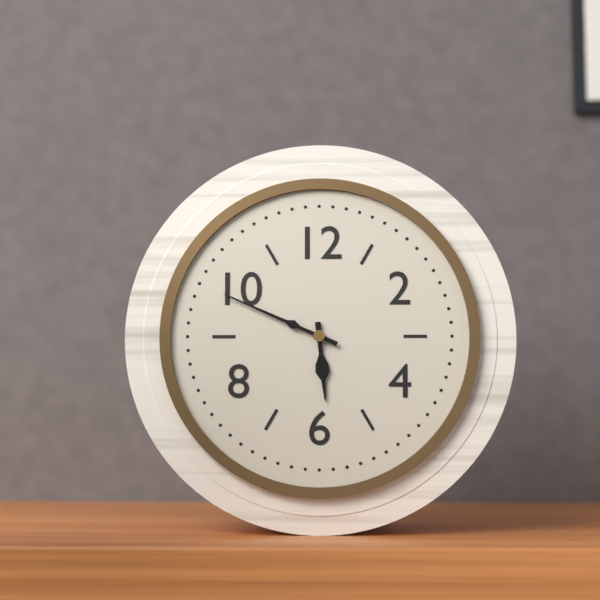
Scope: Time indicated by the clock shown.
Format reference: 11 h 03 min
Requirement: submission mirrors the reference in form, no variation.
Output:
5 h 49 min
